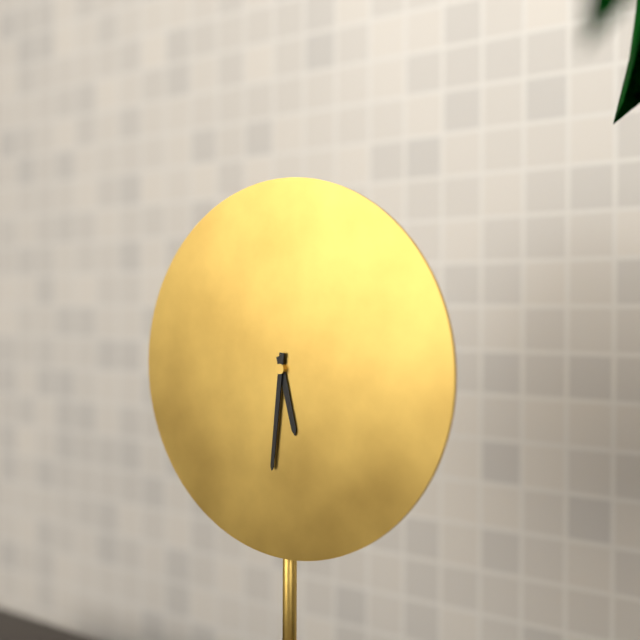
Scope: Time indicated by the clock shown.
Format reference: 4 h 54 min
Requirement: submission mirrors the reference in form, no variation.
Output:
5 h 31 min
